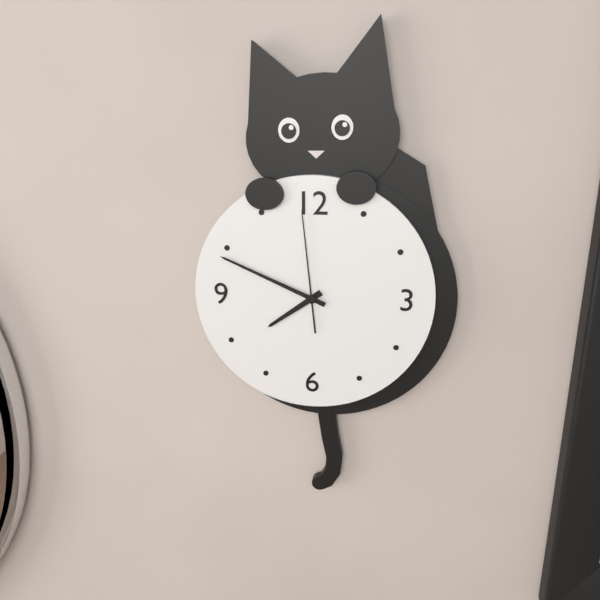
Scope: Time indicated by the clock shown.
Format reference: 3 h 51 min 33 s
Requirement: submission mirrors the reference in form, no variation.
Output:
7 h 49 min 59 s
